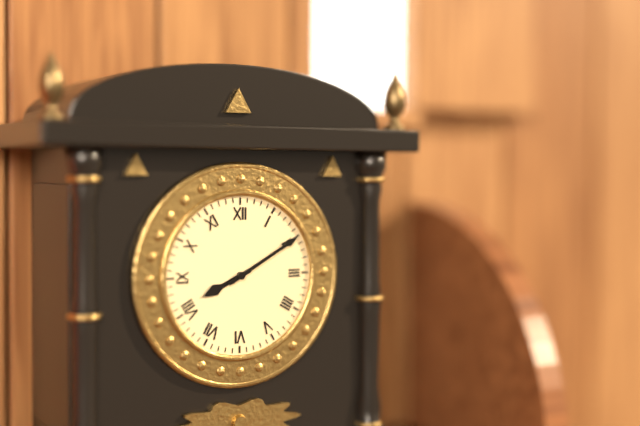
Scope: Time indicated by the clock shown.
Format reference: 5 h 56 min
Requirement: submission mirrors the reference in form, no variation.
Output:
8 h 10 min
